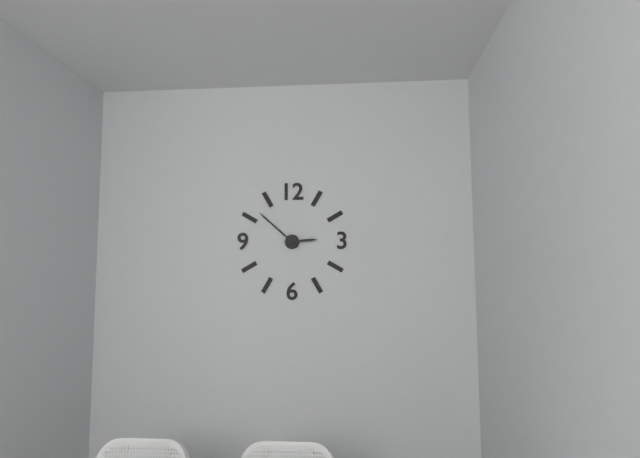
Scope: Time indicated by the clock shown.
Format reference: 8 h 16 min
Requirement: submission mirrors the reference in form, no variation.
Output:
2 h 52 min
